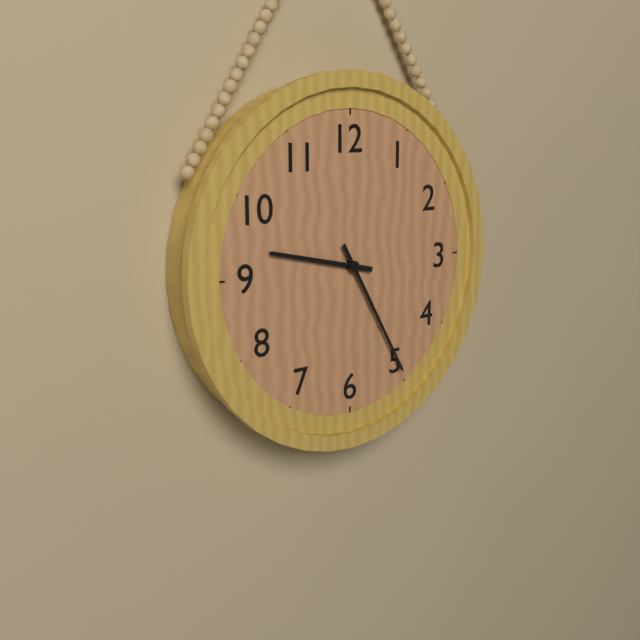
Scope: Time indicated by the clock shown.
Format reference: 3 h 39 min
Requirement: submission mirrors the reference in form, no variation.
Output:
9 h 25 min
